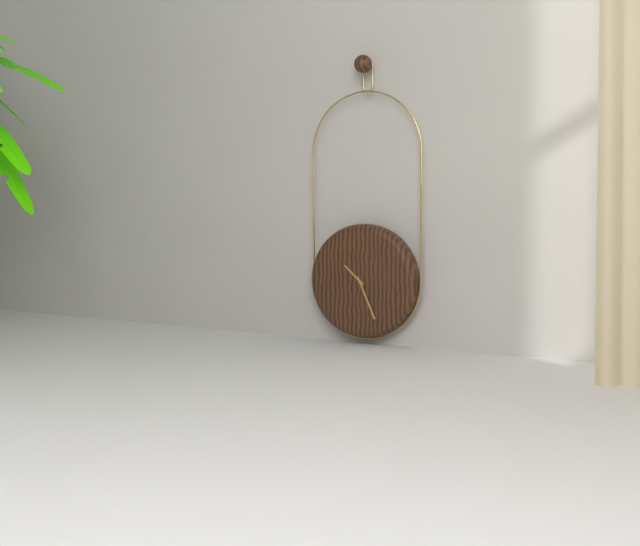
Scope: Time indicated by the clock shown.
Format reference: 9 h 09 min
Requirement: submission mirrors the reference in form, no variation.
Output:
10 h 26 min
